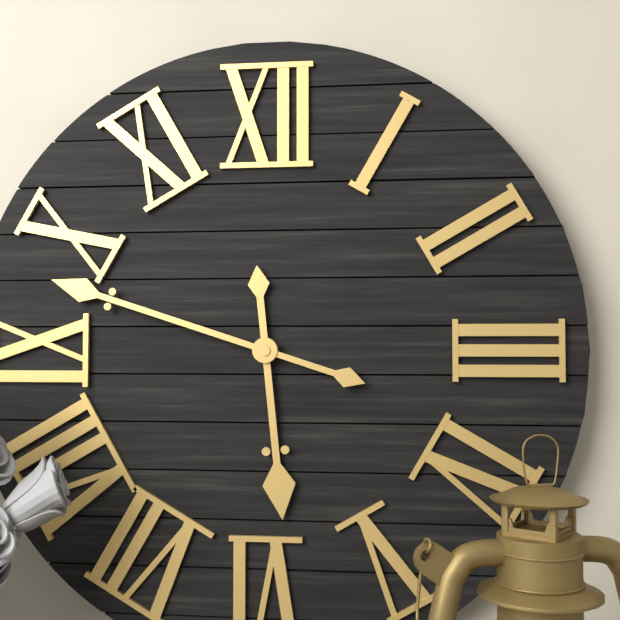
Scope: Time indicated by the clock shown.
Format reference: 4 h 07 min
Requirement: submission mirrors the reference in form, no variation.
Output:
5 h 48 min
